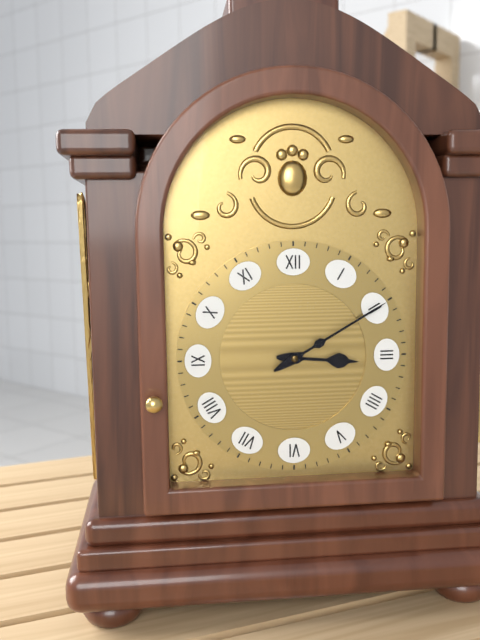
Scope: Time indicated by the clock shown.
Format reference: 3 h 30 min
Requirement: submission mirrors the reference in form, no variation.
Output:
3 h 10 min
